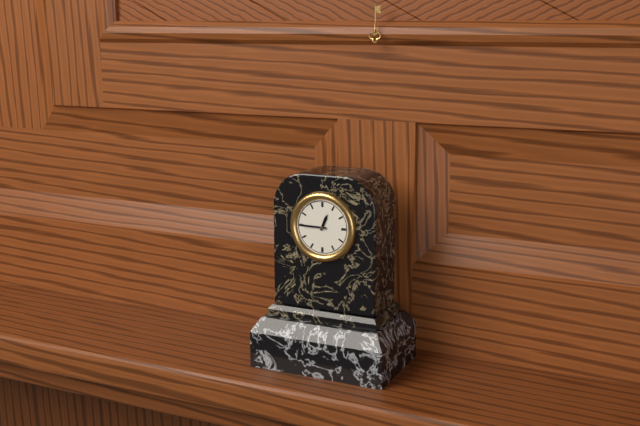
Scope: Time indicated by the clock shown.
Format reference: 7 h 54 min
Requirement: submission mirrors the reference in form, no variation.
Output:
12 h 45 min
